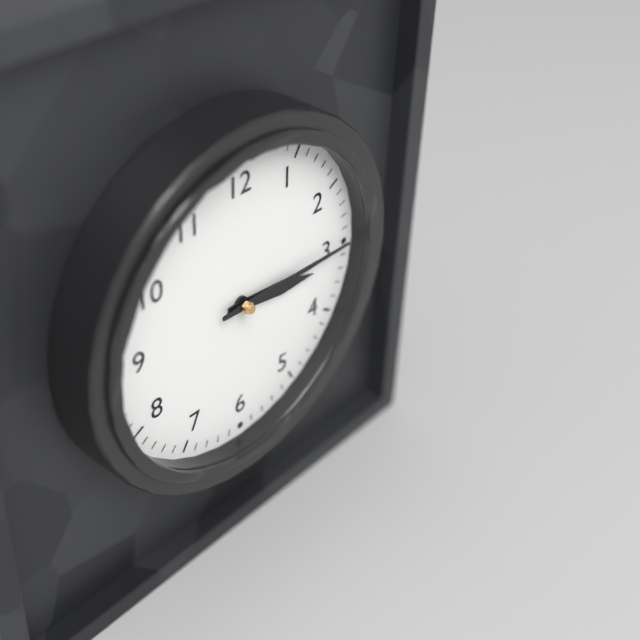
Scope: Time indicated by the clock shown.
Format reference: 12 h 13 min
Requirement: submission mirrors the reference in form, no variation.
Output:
3 h 15 min
